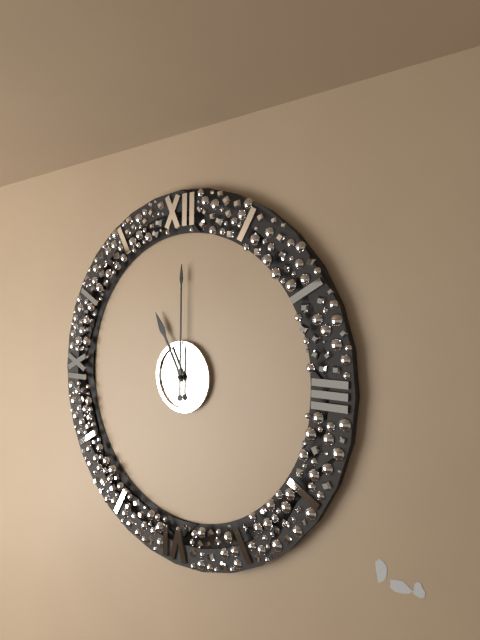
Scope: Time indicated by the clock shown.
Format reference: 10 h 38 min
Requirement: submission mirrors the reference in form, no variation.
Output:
11 h 00 min
